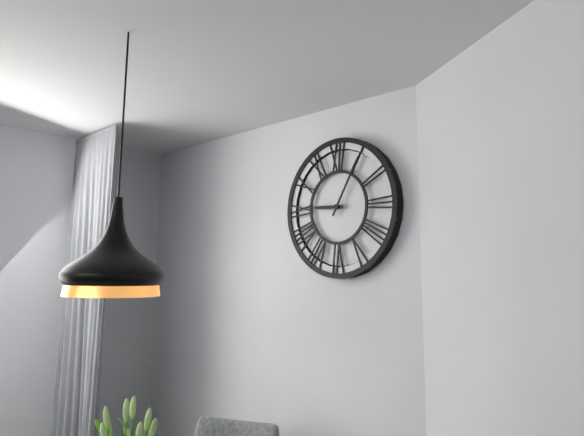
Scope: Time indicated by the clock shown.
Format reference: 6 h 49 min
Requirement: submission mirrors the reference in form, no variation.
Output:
9 h 05 min
